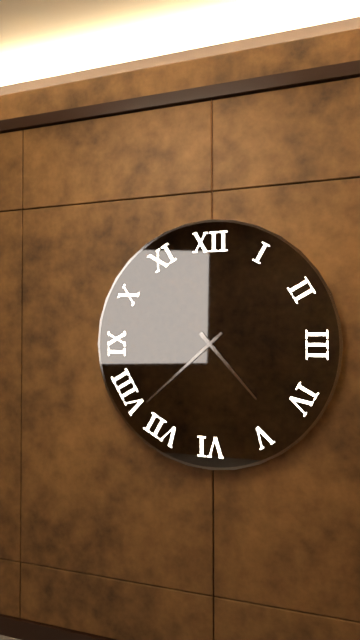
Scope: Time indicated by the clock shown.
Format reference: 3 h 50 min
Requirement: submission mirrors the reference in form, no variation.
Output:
4 h 38 min
